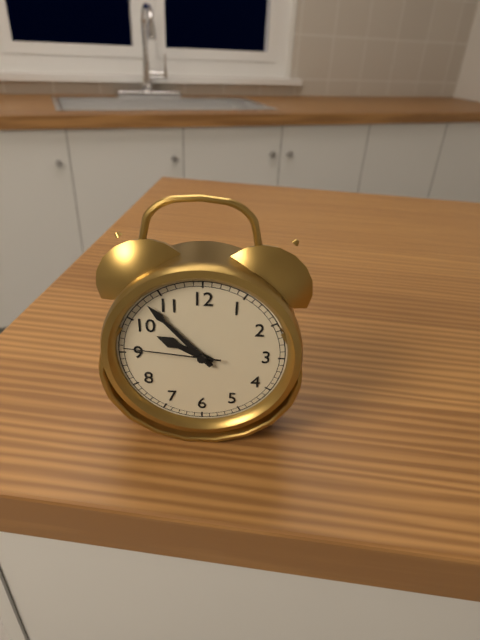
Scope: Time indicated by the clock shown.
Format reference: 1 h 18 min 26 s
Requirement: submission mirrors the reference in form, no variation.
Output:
9 h 53 min 46 s
